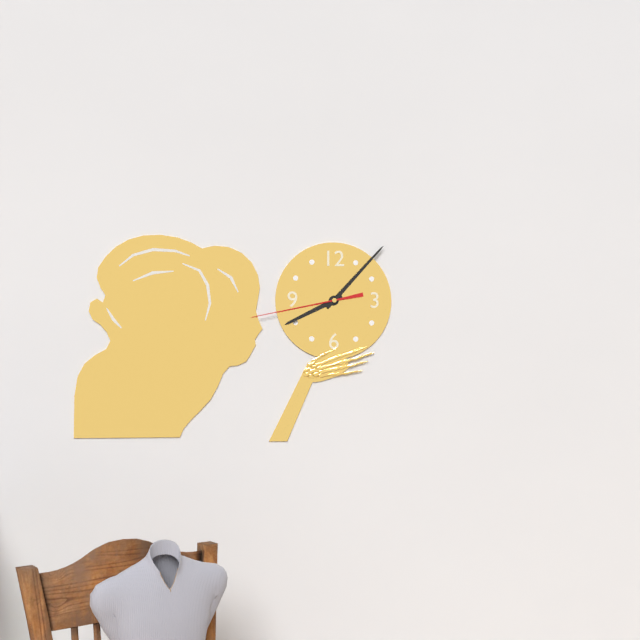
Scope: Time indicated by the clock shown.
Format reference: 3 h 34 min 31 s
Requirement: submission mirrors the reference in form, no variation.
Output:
8 h 07 min 43 s
